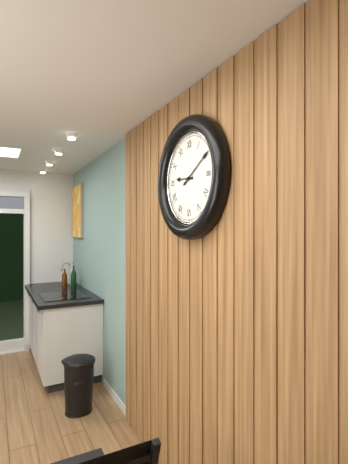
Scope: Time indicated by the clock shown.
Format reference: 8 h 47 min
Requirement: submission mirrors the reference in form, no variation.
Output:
9 h 10 min
